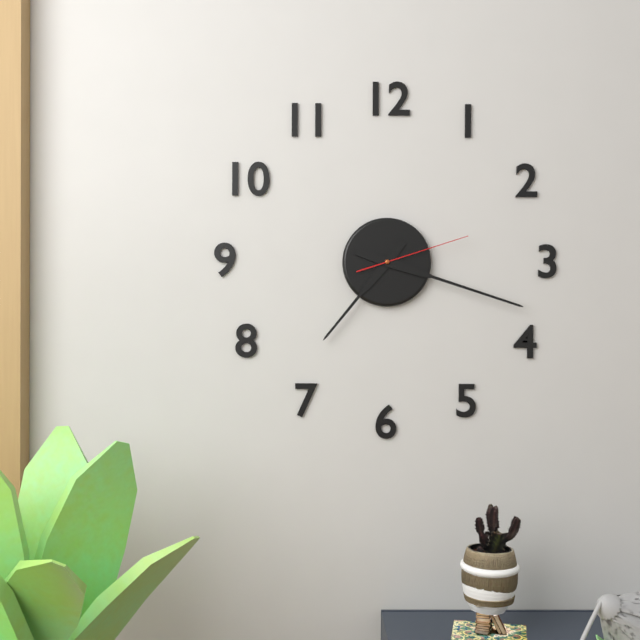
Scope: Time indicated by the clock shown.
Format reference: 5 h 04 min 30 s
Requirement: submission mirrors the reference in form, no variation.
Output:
7 h 18 min 12 s
